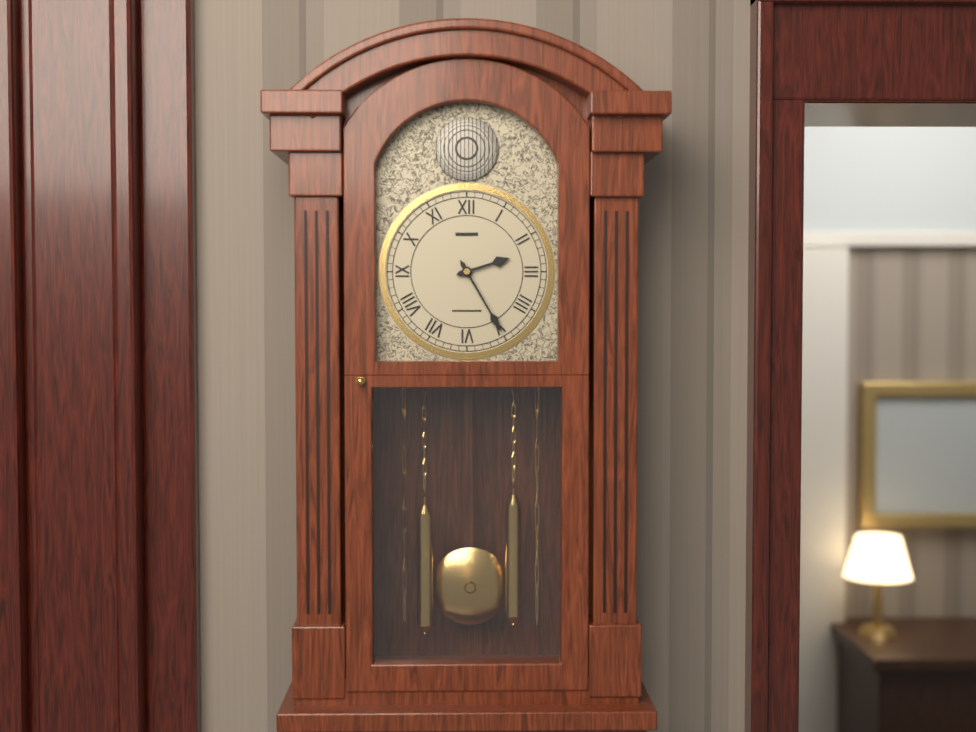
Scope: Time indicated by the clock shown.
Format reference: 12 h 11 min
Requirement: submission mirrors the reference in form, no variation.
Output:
2 h 25 min
